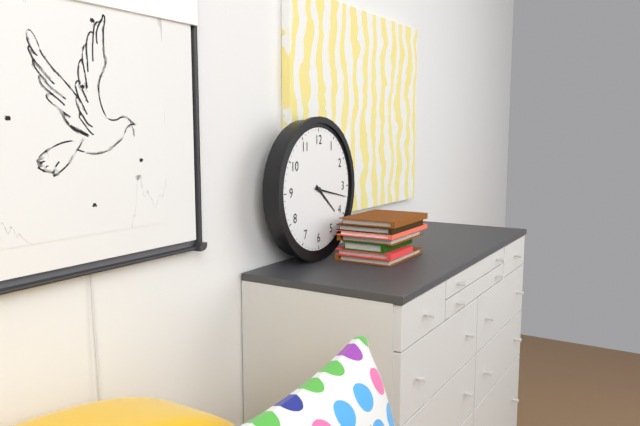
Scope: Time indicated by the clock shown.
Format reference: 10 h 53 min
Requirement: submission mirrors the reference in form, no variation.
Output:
4 h 17 min
